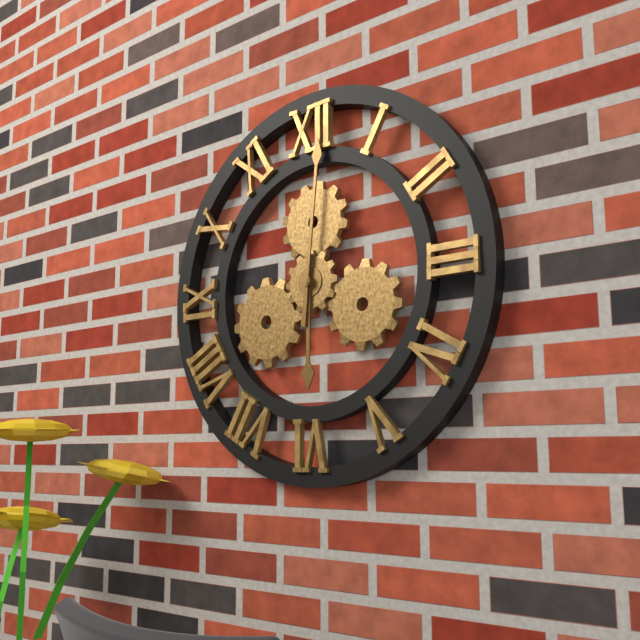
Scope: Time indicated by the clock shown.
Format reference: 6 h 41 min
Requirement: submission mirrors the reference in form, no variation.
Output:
6 h 01 min
